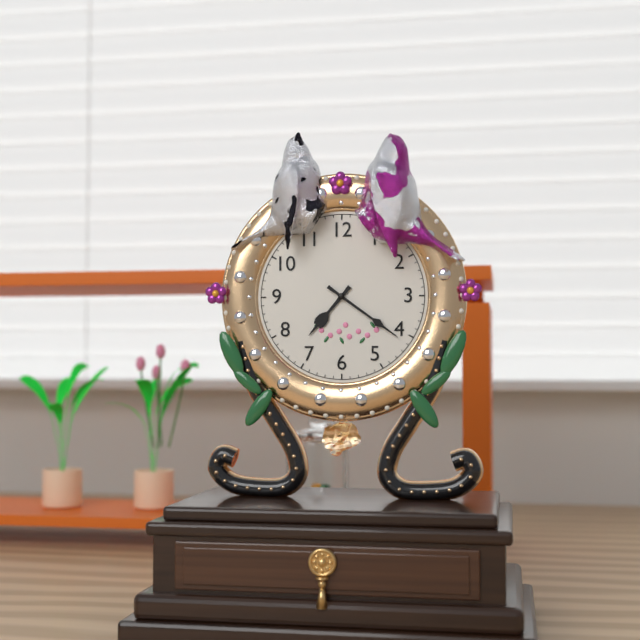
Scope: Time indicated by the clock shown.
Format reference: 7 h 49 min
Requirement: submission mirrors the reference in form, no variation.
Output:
7 h 21 min
